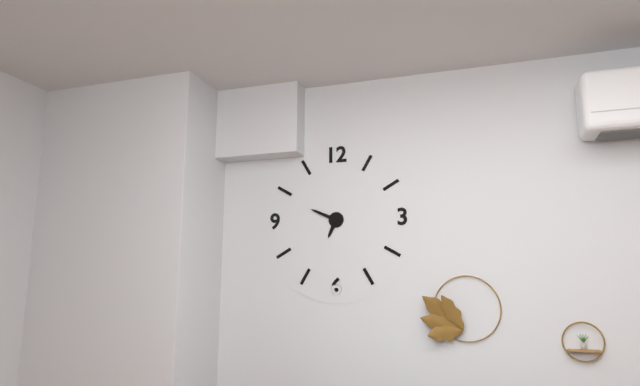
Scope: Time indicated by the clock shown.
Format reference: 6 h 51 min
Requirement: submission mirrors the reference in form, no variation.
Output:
6 h 49 min
